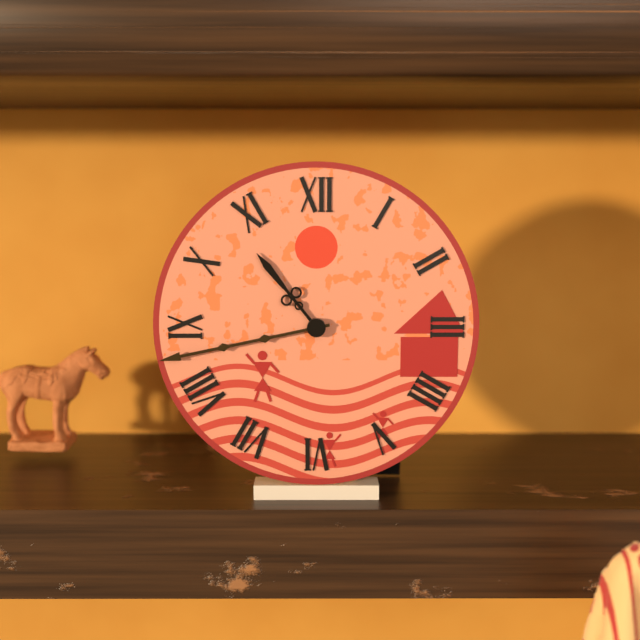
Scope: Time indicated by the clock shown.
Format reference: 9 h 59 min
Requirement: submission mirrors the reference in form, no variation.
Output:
10 h 43 min
